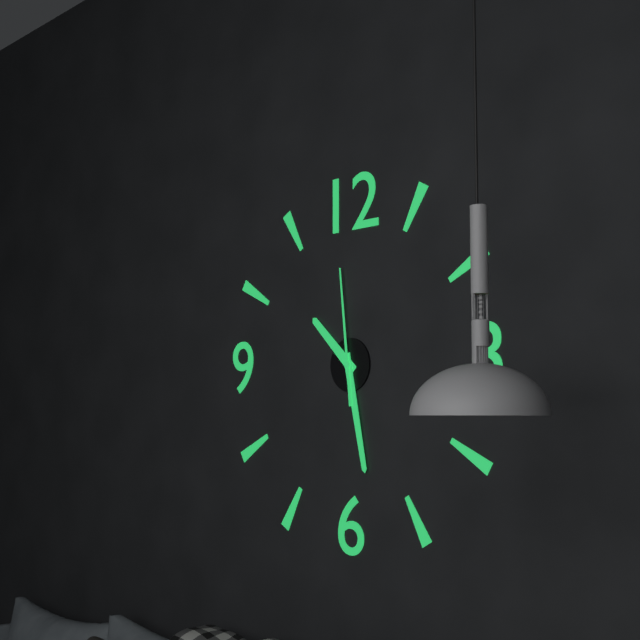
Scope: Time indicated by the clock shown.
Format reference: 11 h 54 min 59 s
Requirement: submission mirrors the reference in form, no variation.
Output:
10 h 28 min 59 s
